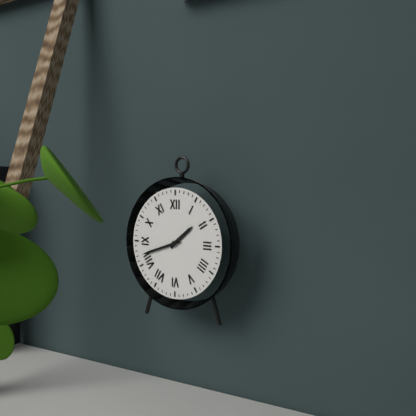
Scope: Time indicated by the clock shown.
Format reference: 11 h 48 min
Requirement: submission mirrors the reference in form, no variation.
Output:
1 h 42 min
